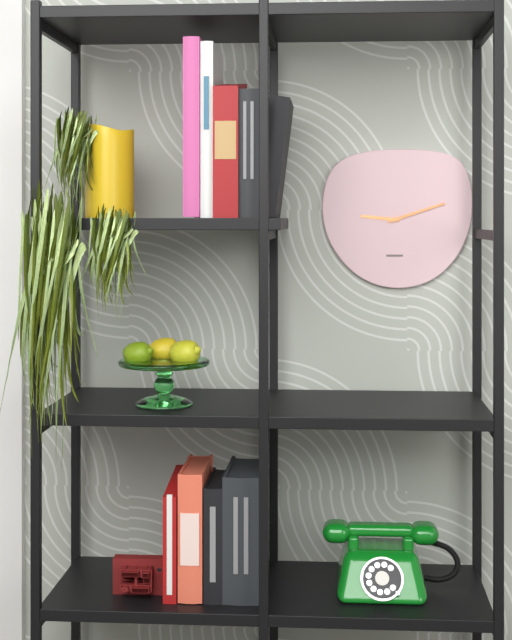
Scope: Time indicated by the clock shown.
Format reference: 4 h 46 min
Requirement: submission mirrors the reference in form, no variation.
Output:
9 h 12 min
